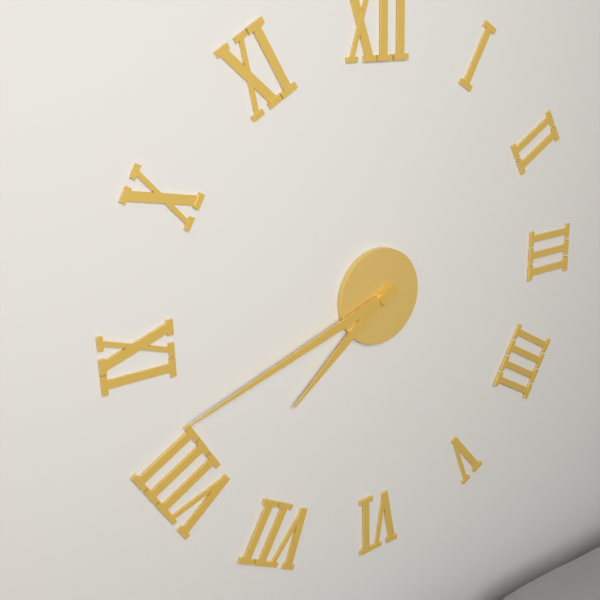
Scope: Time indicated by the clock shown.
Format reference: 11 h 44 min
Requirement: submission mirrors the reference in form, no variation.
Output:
7 h 42 min
